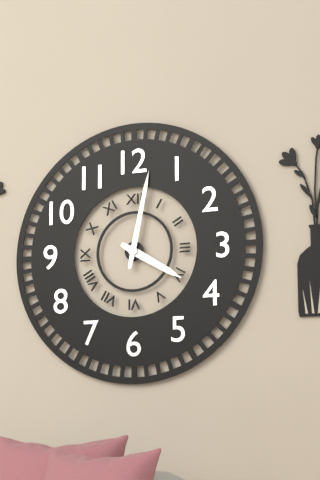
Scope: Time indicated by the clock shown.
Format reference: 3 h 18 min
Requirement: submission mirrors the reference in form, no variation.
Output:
4 h 02 min
